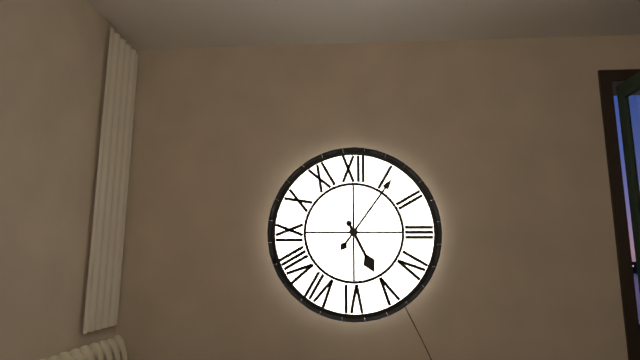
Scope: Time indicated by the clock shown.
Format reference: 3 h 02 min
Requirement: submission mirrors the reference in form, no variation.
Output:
5 h 06 min
